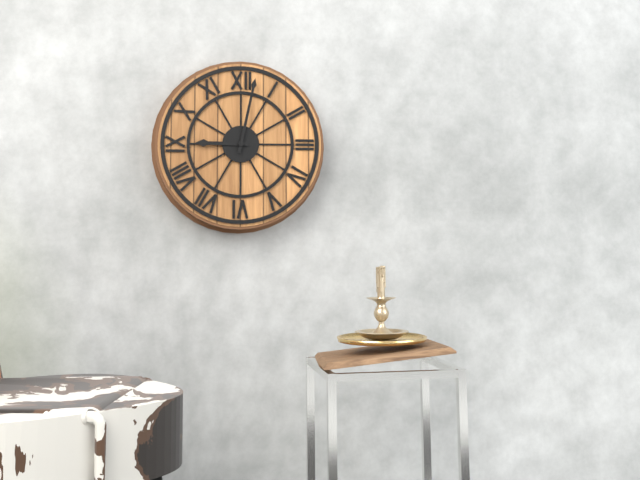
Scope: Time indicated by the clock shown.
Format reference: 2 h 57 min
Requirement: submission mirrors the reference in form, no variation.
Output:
9 h 02 min
